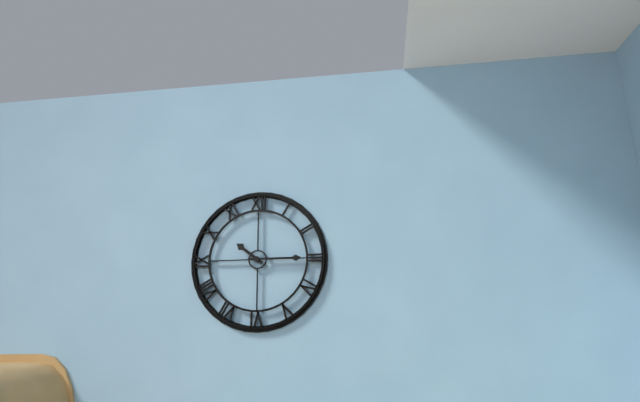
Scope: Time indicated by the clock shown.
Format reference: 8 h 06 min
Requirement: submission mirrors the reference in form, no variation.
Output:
10 h 15 min
